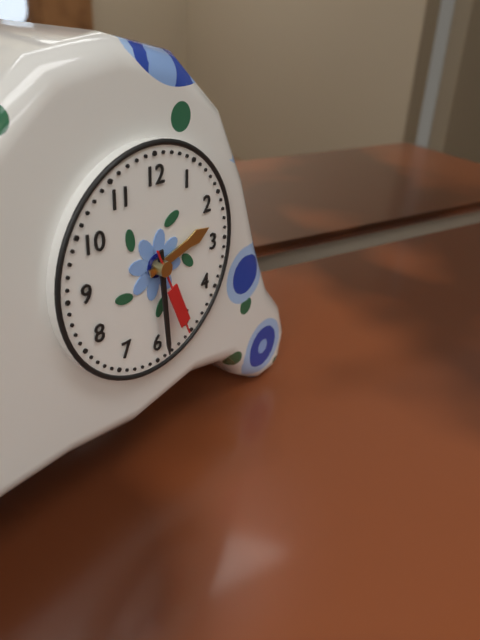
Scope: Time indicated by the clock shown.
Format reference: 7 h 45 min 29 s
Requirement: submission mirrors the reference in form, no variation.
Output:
2 h 29 min 26 s
